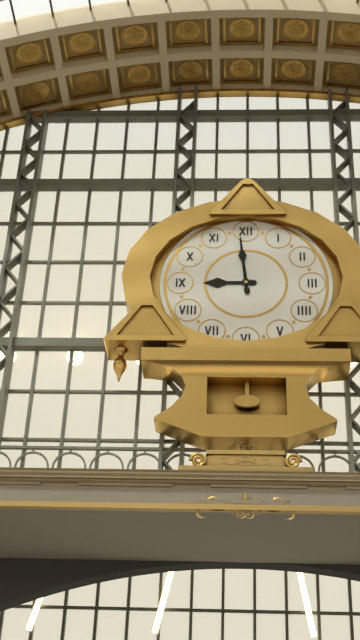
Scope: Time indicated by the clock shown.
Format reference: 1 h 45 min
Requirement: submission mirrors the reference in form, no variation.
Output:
8 h 59 min
